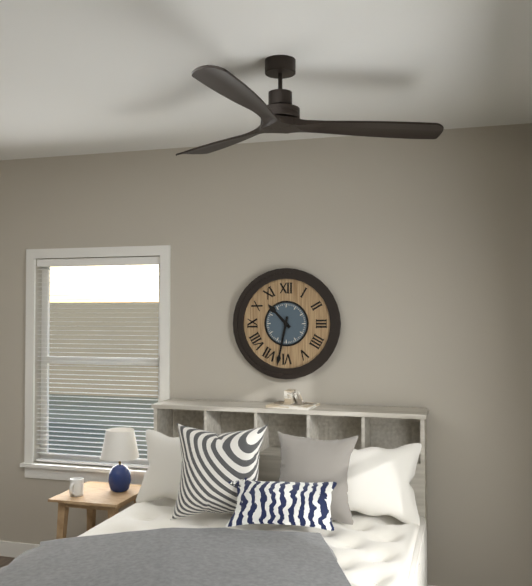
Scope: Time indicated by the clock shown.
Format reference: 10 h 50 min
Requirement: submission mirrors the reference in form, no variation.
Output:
10 h 32 min
